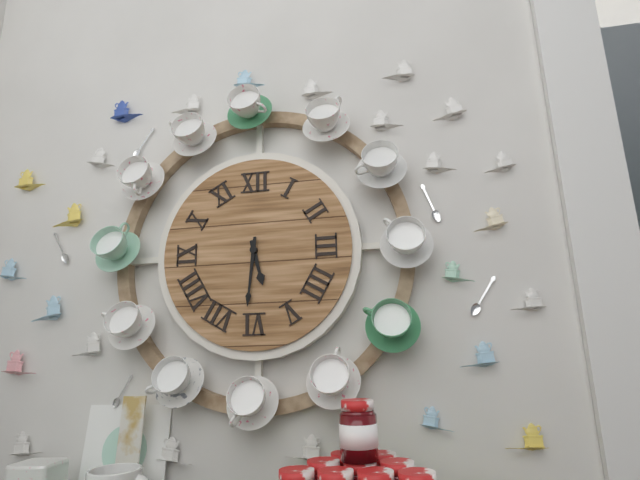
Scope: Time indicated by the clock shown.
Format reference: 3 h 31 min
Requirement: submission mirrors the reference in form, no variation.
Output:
5 h 31 min
